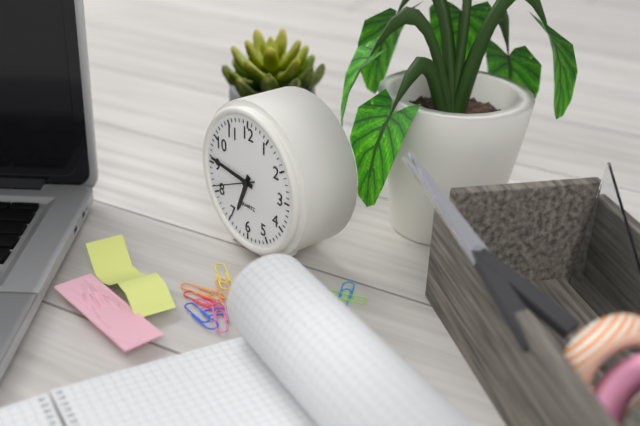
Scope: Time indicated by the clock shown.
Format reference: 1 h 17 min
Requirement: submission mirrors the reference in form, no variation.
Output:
6 h 46 min
